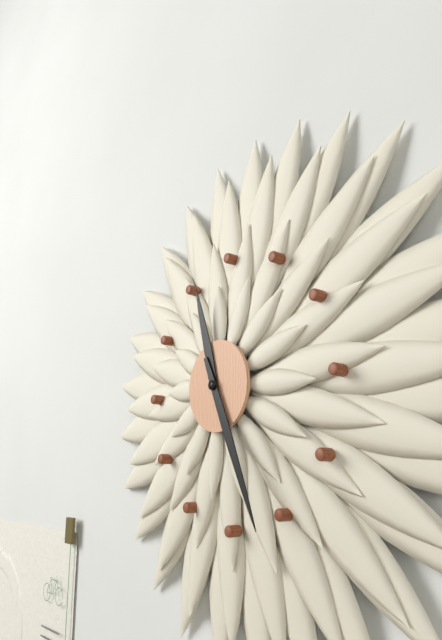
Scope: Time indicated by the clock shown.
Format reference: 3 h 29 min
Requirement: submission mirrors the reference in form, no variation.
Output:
11 h 26 min
